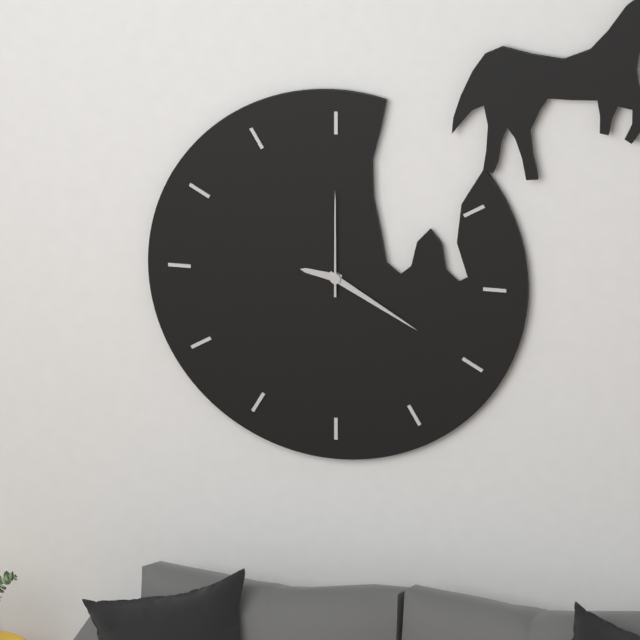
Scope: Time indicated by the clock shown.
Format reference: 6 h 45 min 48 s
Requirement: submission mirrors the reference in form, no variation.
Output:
9 h 20 min 00 s
